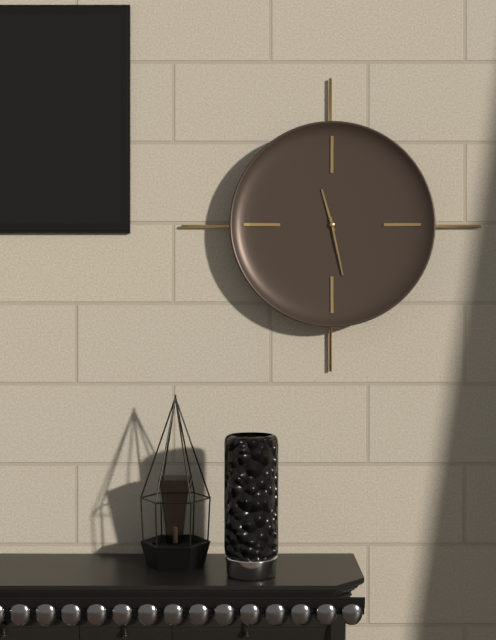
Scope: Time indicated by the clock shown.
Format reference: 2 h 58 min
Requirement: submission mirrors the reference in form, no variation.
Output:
11 h 28 min
